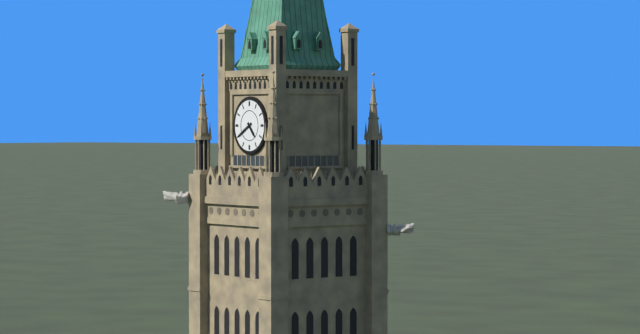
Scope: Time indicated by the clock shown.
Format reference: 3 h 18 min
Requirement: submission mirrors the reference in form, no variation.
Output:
4 h 40 min
